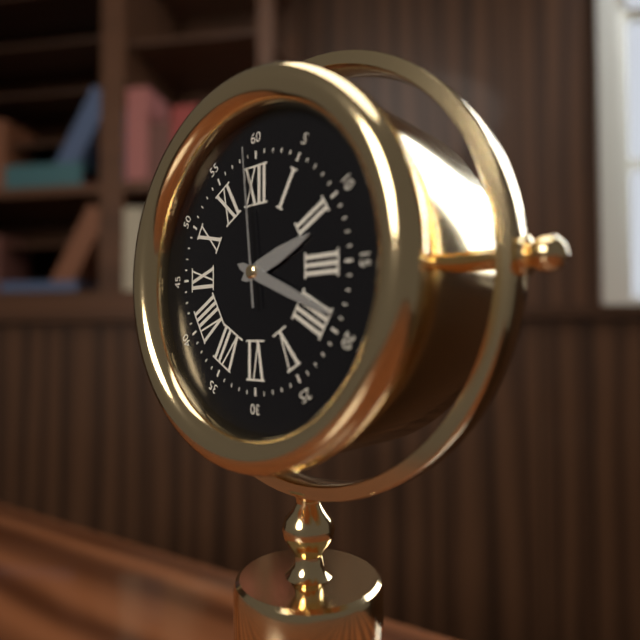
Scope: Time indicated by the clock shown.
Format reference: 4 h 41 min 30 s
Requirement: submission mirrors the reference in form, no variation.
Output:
2 h 19 min 59 s
